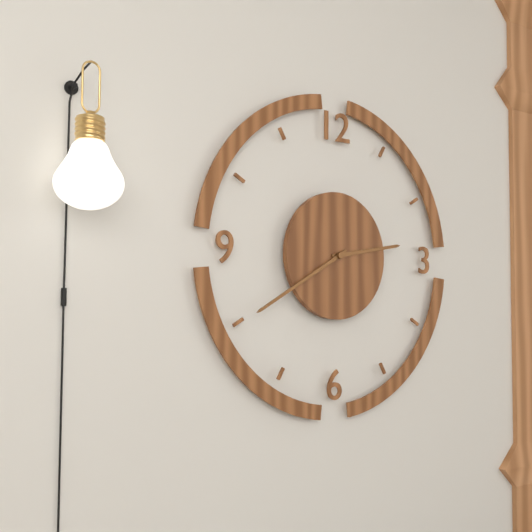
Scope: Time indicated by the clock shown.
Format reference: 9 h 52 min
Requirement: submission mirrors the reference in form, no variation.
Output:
2 h 40 min
